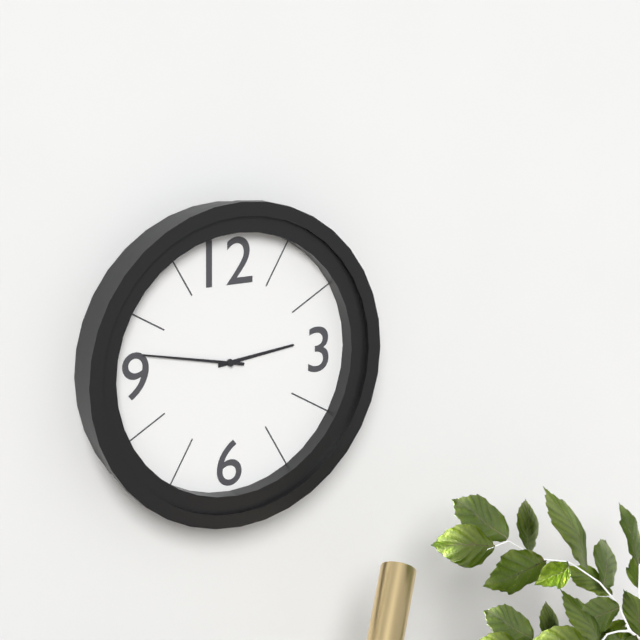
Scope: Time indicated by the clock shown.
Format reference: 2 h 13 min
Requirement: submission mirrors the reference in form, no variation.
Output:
2 h 47 min
